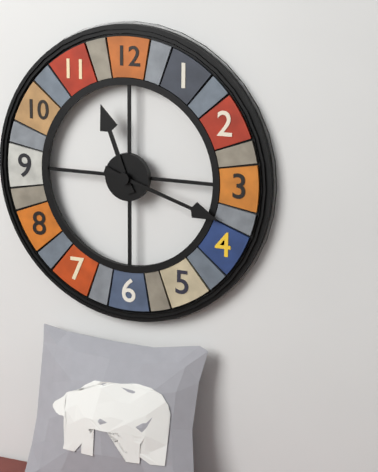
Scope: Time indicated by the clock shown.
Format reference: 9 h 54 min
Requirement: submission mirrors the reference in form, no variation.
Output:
11 h 18 min
